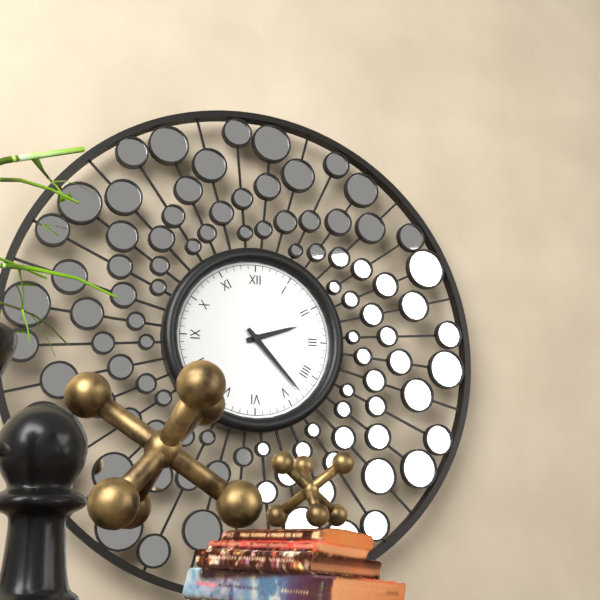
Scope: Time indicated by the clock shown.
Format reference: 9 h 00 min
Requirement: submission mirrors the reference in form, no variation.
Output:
2 h 23 min
